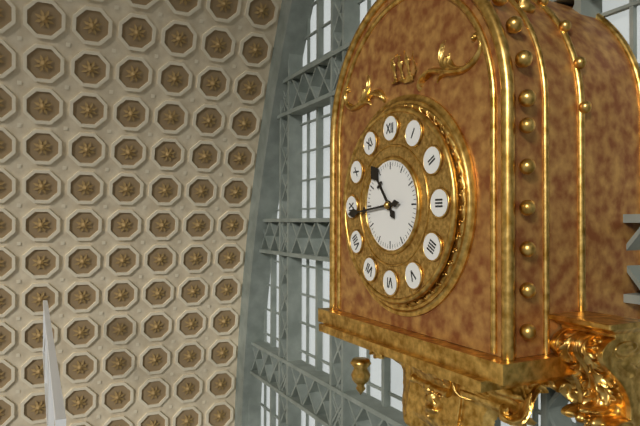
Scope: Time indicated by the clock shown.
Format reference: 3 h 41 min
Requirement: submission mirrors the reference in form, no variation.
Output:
10 h 44 min
